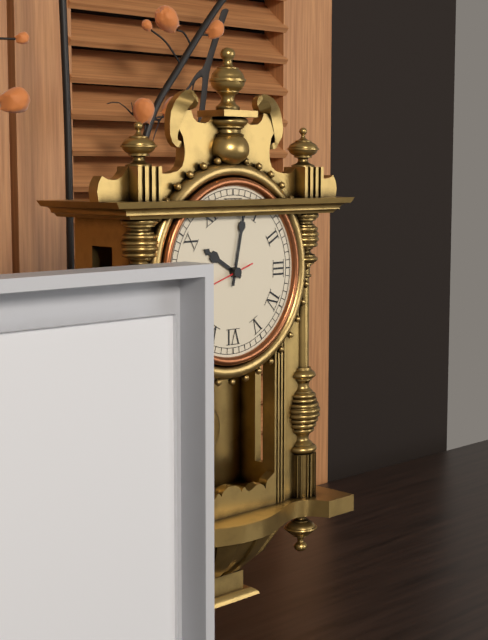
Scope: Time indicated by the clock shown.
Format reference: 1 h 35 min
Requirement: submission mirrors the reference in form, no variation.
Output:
10 h 02 min
